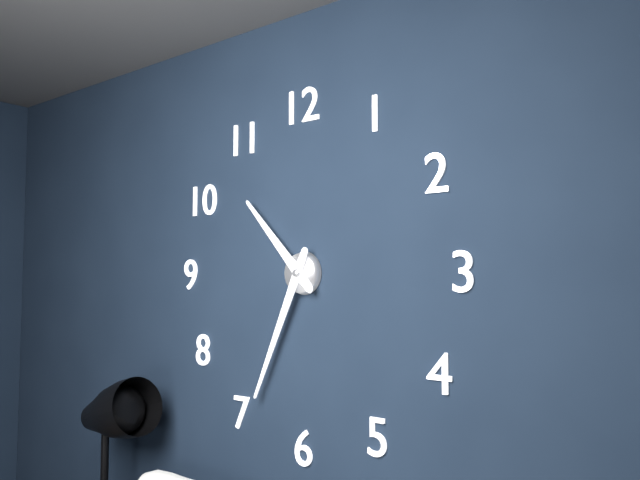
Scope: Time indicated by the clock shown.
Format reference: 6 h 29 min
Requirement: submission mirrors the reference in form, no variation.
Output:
10 h 34 min
